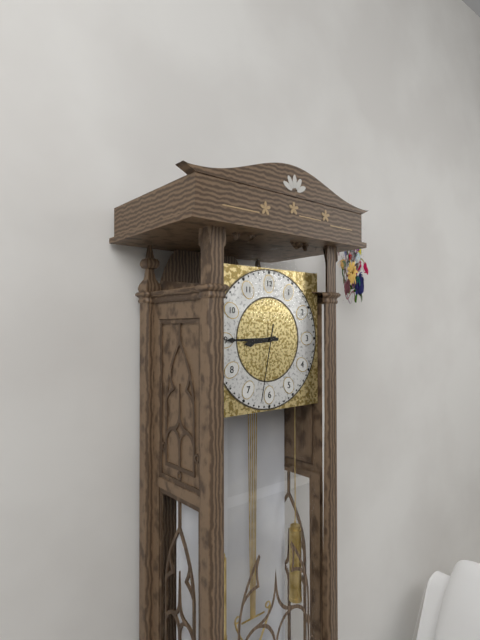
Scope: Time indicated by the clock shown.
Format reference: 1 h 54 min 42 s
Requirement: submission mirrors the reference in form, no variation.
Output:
8 h 45 min 32 s
